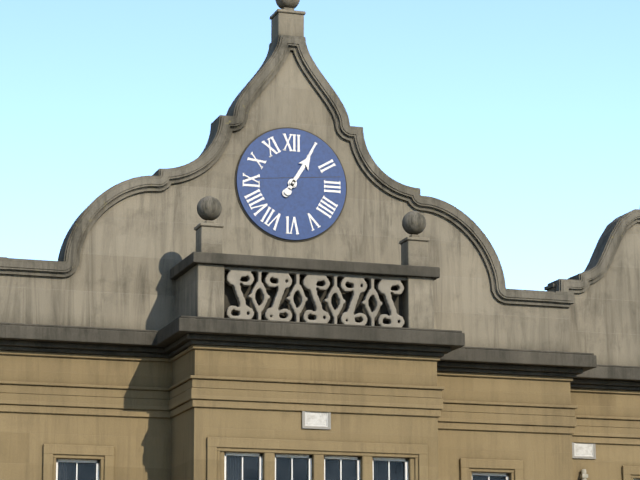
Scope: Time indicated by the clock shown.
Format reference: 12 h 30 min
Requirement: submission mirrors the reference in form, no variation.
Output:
1 h 05 min
